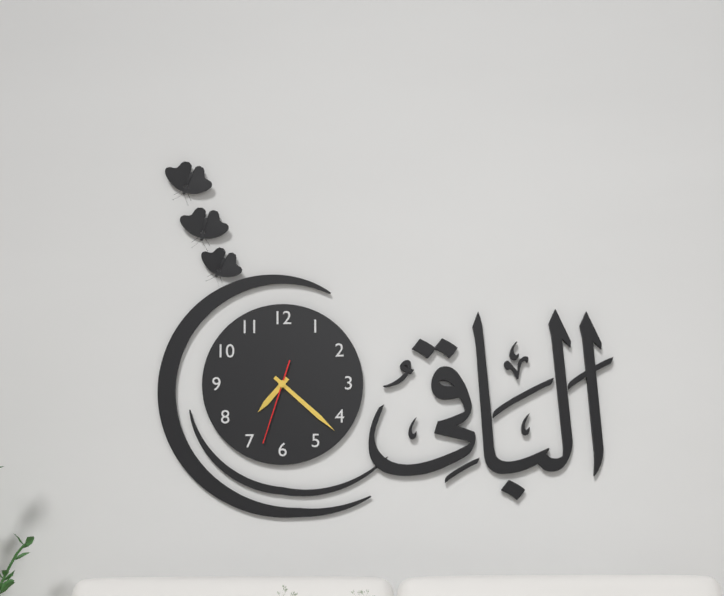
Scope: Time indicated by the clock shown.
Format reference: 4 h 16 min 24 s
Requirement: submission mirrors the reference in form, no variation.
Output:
7 h 22 min 33 s
